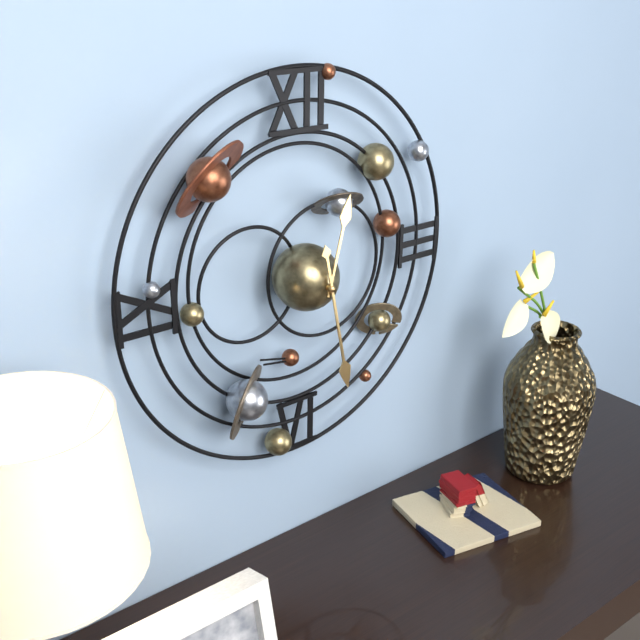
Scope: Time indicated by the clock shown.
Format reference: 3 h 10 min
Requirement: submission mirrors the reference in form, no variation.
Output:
12 h 28 min
